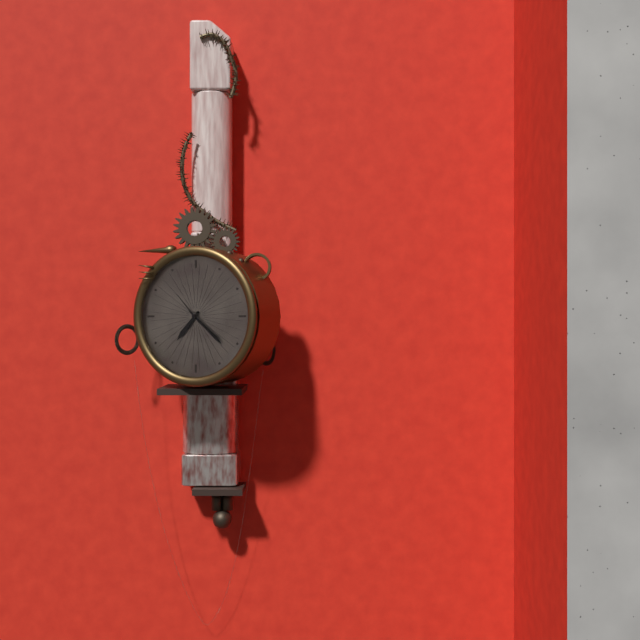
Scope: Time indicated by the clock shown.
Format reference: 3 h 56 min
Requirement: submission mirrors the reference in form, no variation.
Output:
7 h 22 min
